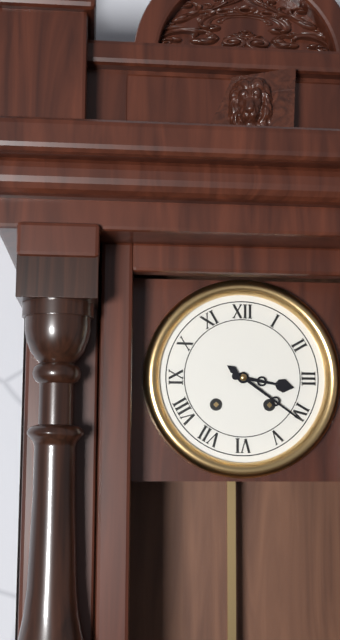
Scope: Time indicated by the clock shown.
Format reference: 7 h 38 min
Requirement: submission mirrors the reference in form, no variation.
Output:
3 h 21 min
